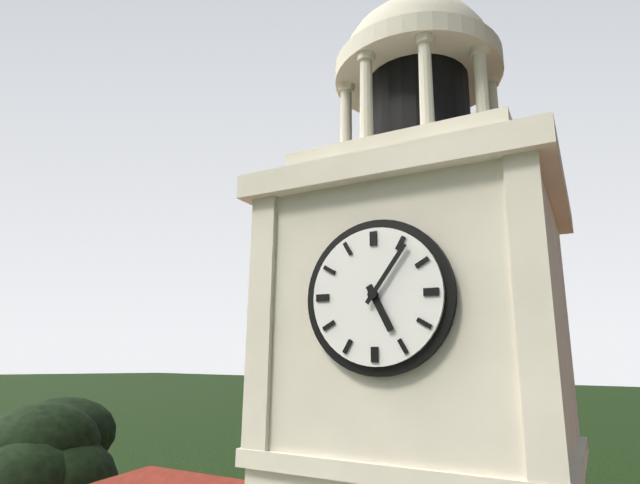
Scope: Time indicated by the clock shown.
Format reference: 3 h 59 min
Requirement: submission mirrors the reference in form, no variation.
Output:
5 h 06 min
